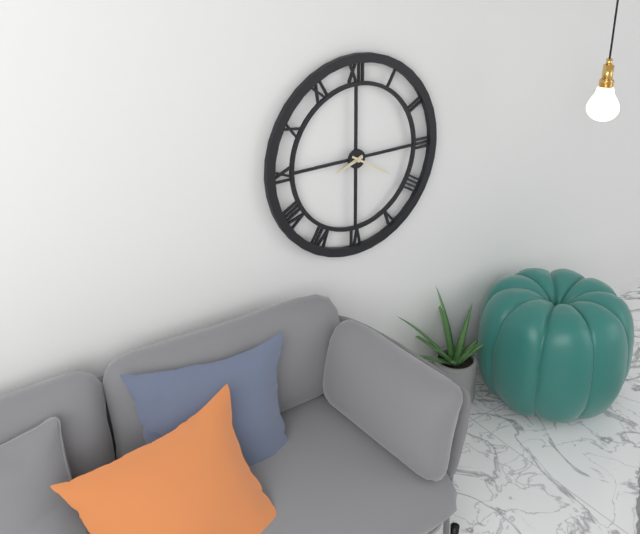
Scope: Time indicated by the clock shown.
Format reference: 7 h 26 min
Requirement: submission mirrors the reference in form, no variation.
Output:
8 h 20 min
